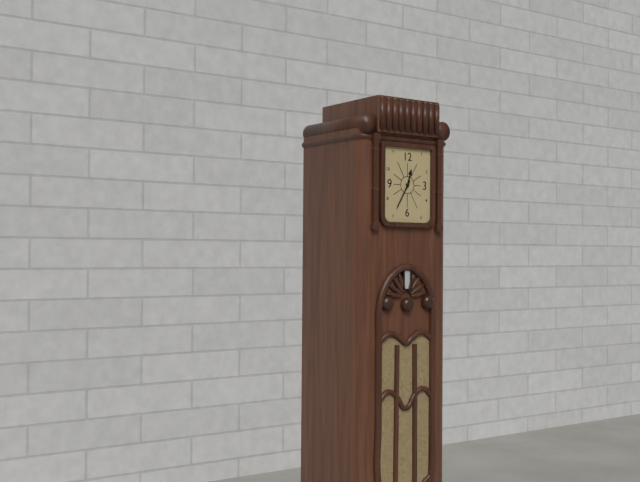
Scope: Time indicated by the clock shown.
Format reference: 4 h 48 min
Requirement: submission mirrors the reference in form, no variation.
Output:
12 h 35 min
